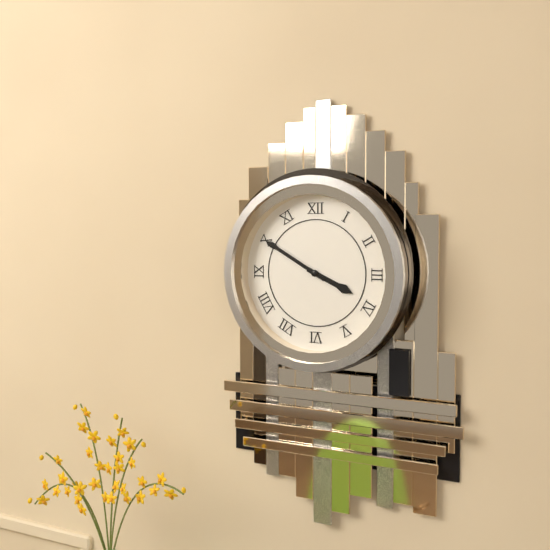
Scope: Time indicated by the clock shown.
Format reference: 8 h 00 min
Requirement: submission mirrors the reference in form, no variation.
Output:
3 h 50 min
